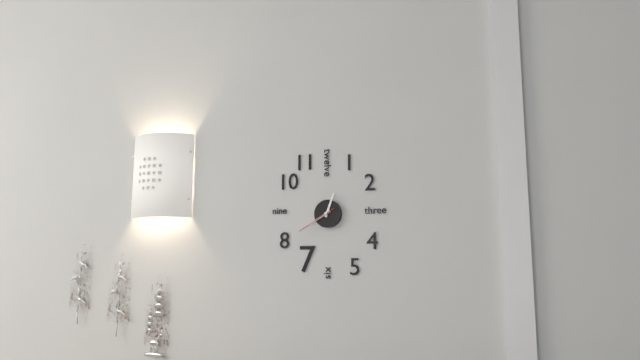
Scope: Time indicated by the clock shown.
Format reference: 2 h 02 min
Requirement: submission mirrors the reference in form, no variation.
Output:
12 h 40 min
